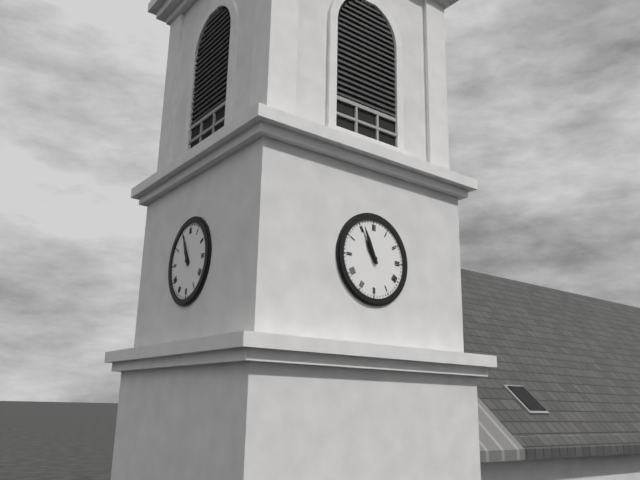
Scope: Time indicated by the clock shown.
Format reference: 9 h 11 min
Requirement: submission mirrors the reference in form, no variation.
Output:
10 h 56 min
